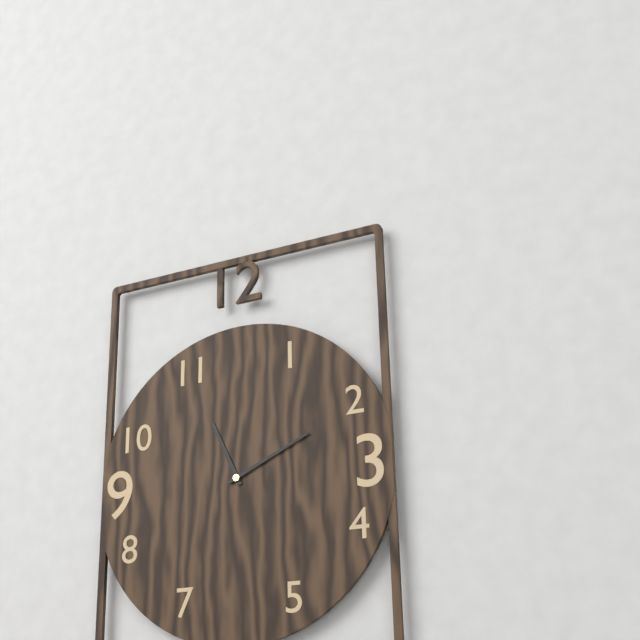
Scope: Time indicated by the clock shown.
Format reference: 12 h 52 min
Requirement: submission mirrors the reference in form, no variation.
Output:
11 h 11 min
